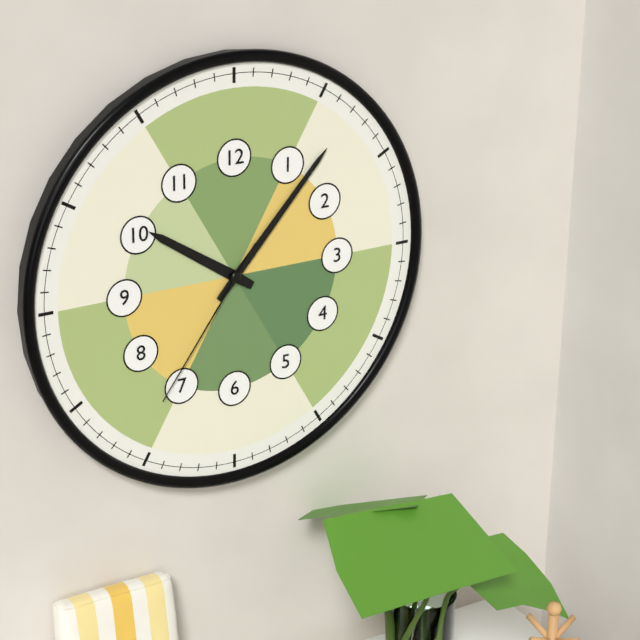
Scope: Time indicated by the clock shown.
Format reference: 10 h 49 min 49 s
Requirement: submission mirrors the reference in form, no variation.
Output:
10 h 07 min 36 s
